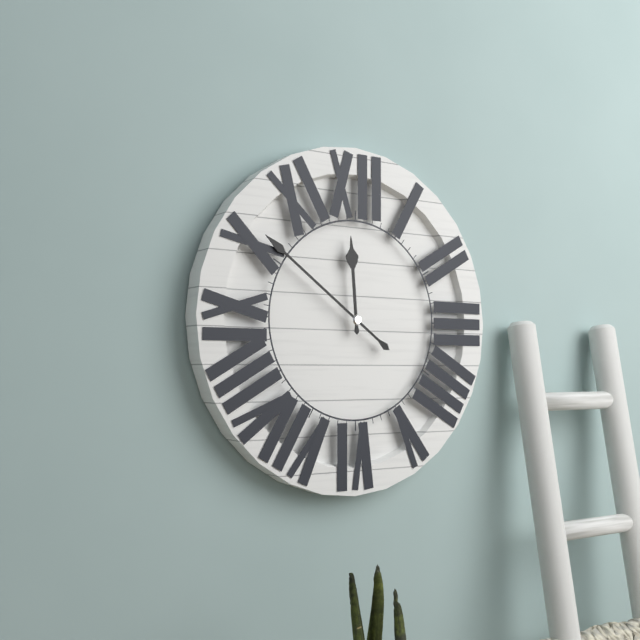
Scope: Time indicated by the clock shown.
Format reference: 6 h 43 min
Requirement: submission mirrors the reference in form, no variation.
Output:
11 h 51 min
